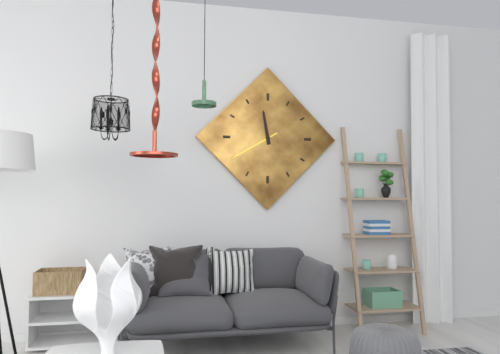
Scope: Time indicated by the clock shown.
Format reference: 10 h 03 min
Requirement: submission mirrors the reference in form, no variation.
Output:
11 h 40 min
